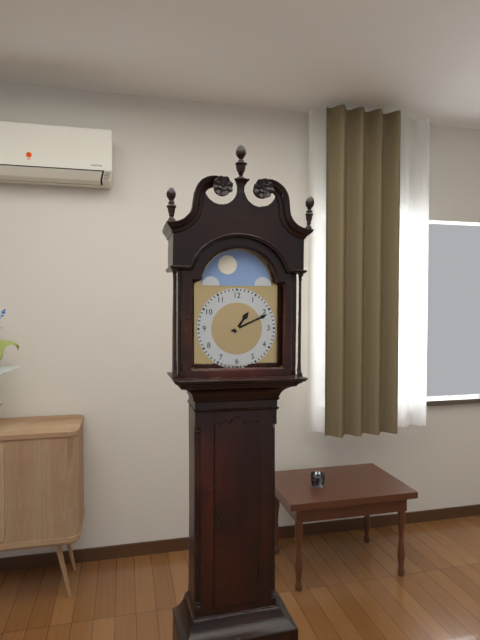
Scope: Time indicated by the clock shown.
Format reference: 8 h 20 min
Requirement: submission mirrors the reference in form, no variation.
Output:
1 h 11 min
